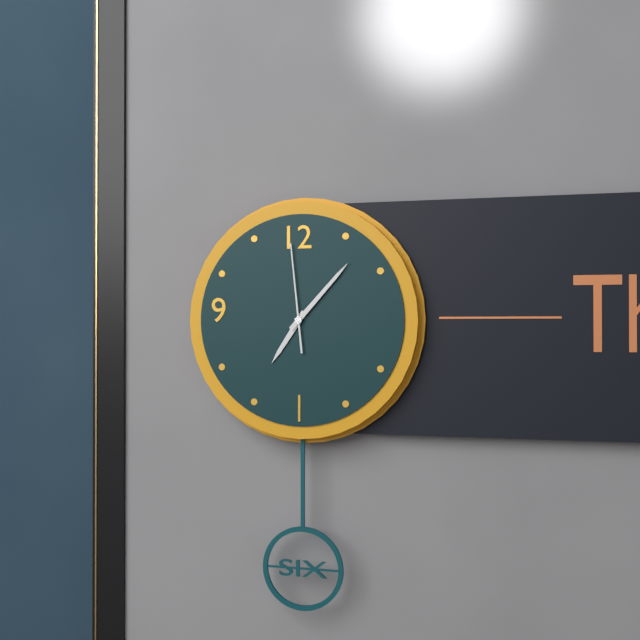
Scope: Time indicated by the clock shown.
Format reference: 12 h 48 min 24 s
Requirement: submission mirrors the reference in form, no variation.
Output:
7 h 07 min 59 s
